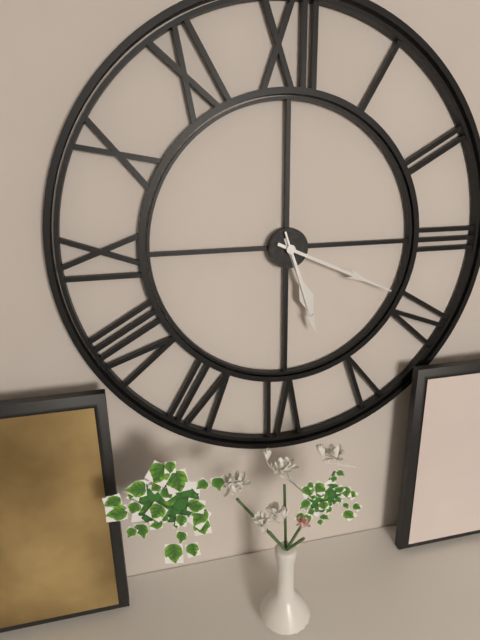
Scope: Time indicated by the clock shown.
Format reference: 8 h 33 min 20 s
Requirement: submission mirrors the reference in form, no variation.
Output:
5 h 19 min 27 s
